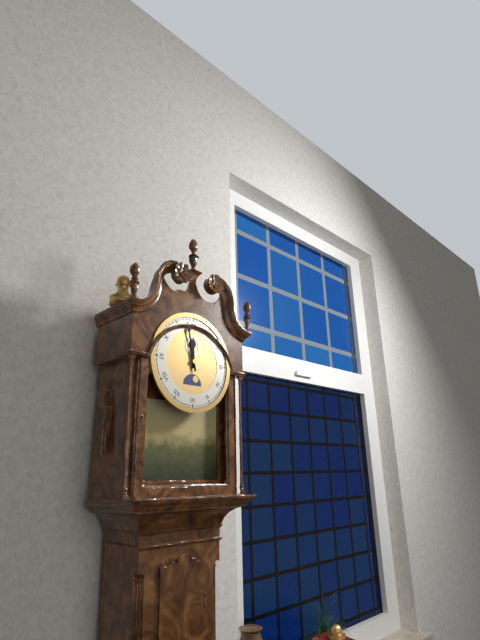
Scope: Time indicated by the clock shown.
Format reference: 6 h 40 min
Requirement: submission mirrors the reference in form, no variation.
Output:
11 h 58 min
